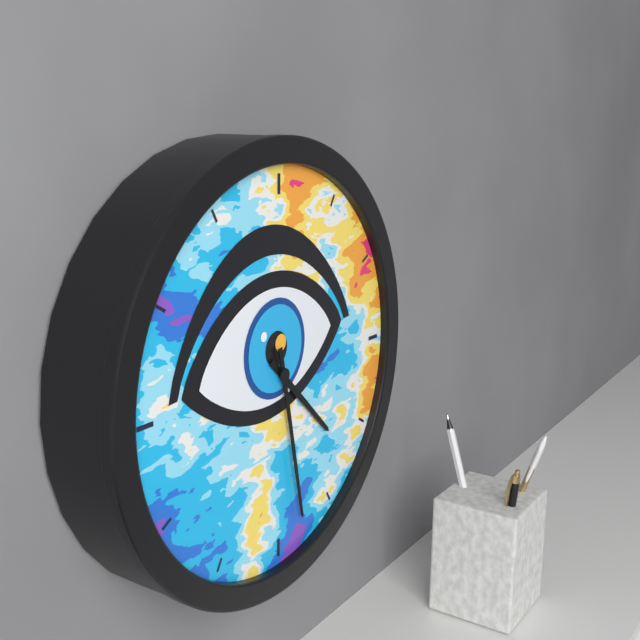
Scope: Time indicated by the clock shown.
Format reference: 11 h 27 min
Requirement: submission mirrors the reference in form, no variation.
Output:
4 h 28 min
